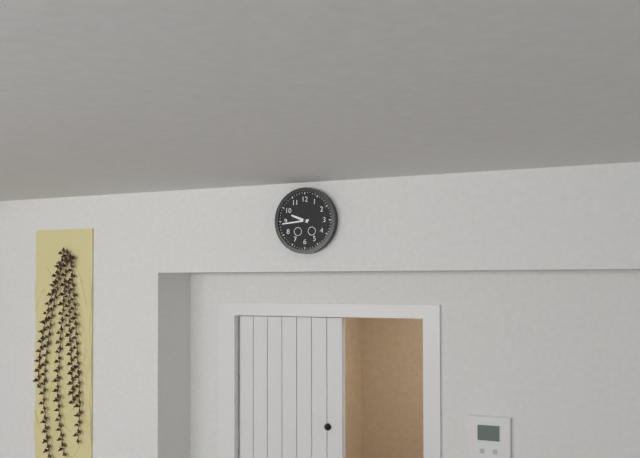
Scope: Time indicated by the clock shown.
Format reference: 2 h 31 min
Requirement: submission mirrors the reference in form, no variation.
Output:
9 h 44 min
